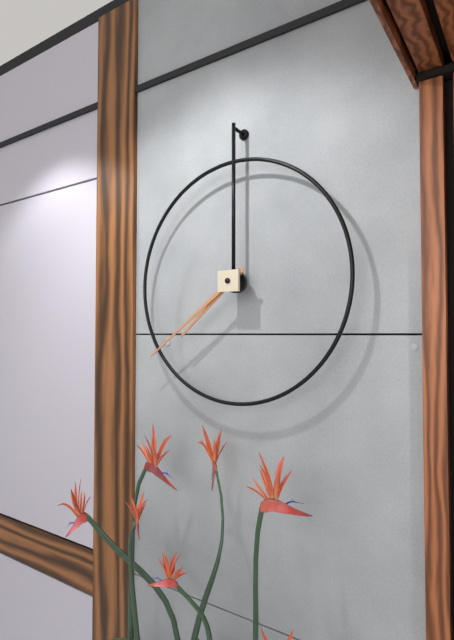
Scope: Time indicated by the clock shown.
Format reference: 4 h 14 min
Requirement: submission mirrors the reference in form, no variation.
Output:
7 h 39 min
